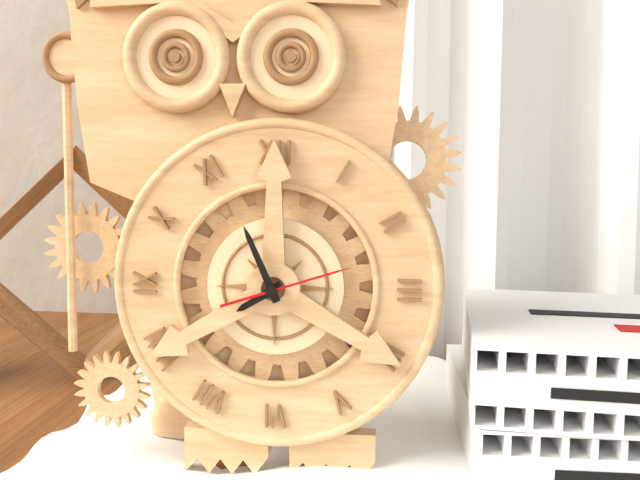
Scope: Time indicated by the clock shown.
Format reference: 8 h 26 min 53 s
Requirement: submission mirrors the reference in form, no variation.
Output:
7 h 56 min 12 s
